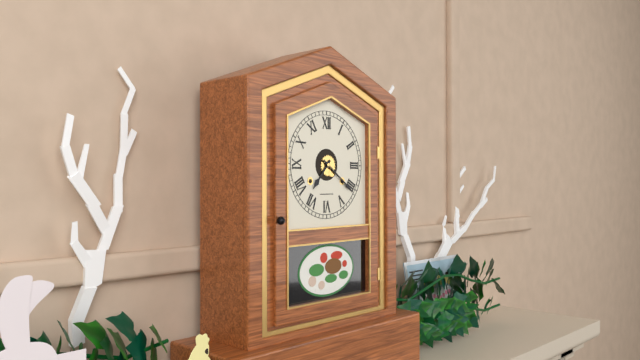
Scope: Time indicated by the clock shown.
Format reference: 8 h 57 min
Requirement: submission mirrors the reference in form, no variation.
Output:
7 h 21 min
